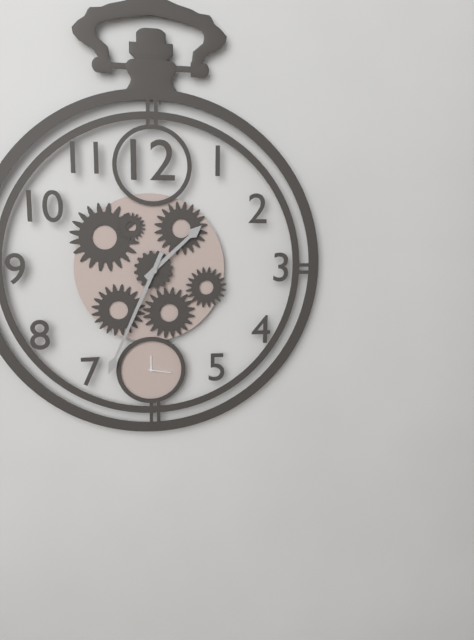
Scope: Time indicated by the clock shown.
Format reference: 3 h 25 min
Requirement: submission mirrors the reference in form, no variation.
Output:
1 h 34 min
